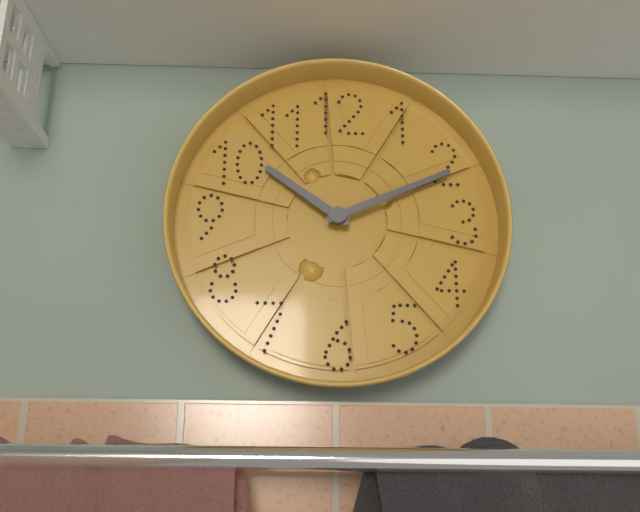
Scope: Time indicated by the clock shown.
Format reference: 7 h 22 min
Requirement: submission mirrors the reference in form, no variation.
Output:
10 h 11 min
